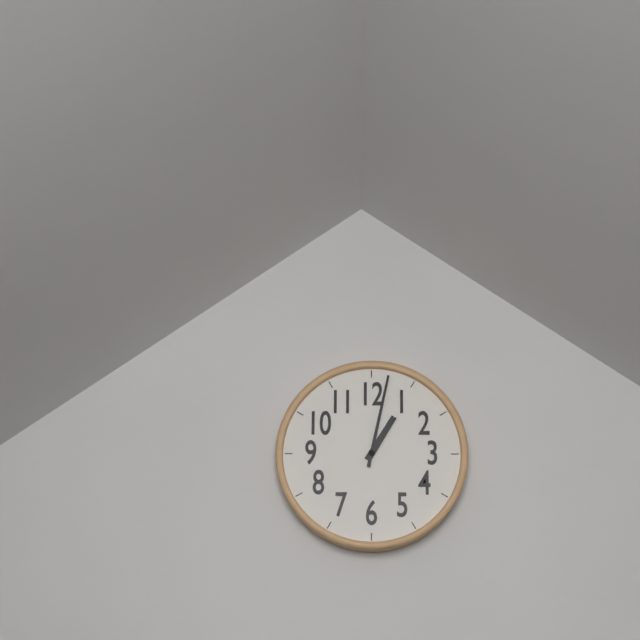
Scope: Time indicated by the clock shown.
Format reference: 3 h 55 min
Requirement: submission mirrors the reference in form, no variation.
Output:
1 h 02 min
